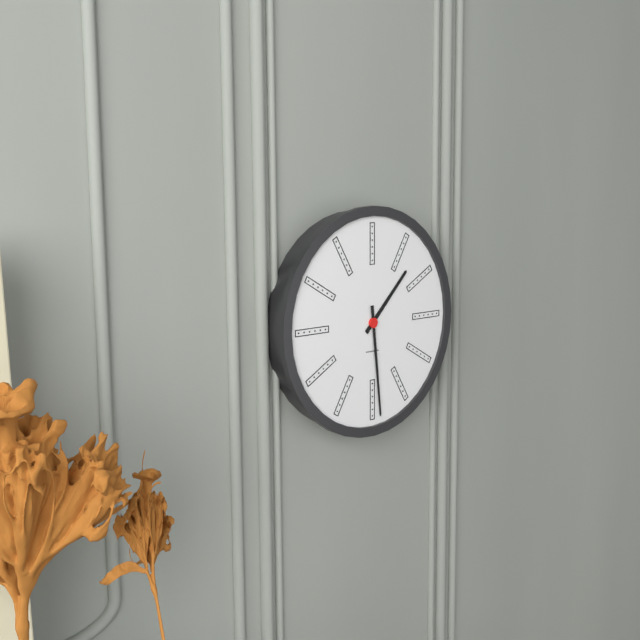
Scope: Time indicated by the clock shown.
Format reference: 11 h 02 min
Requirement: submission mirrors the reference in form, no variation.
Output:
1 h 29 min
